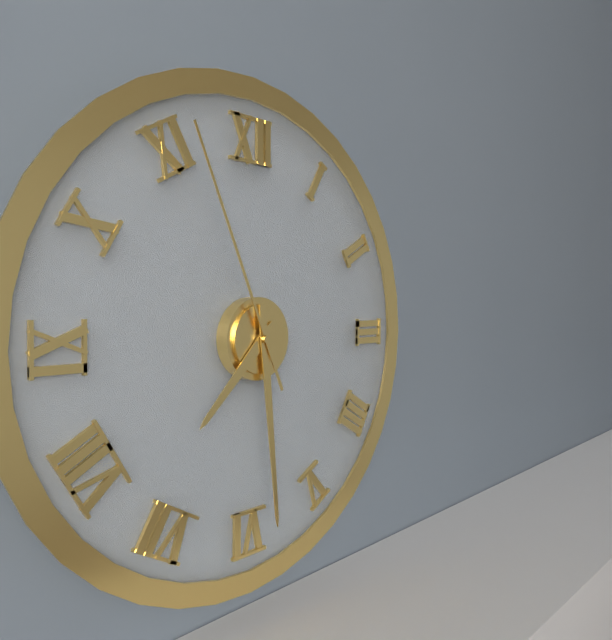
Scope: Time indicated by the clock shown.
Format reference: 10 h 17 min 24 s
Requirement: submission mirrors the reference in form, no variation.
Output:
7 h 29 min 56 s
